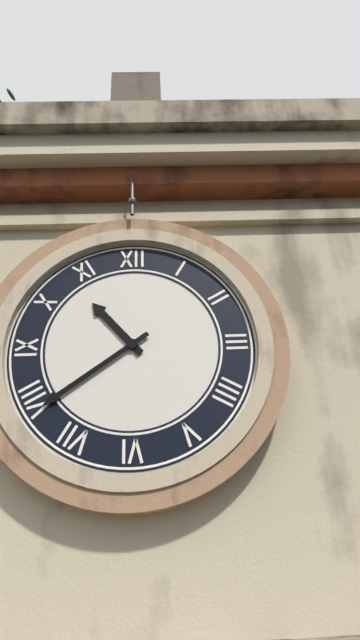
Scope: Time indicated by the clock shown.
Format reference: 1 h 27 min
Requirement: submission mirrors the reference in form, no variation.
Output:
10 h 39 min
